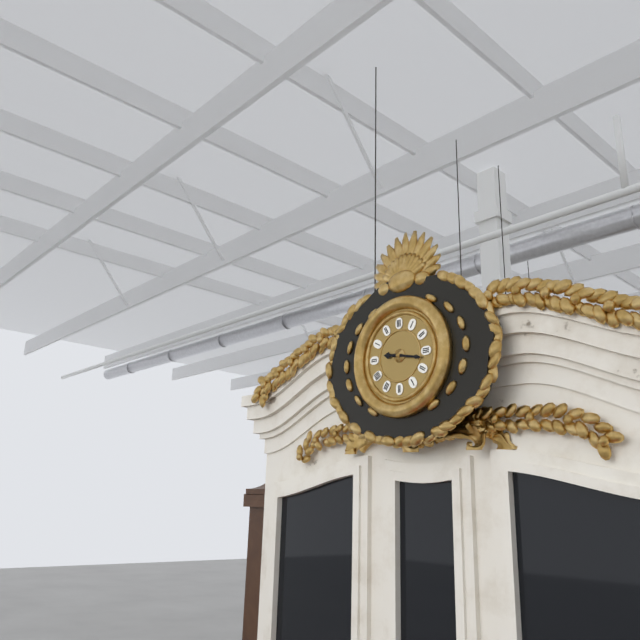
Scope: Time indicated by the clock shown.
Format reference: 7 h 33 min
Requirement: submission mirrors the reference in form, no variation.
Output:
9 h 17 min
